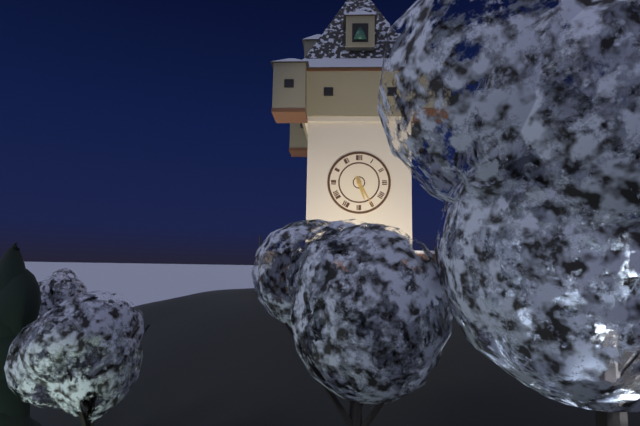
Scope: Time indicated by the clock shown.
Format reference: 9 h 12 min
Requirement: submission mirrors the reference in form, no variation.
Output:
5 h 25 min
